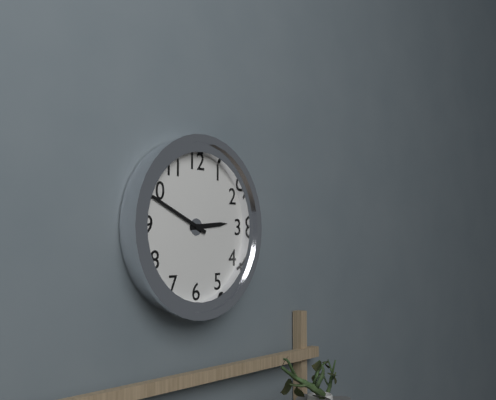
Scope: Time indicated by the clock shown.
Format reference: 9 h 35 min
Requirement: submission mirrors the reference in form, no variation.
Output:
2 h 49 min
